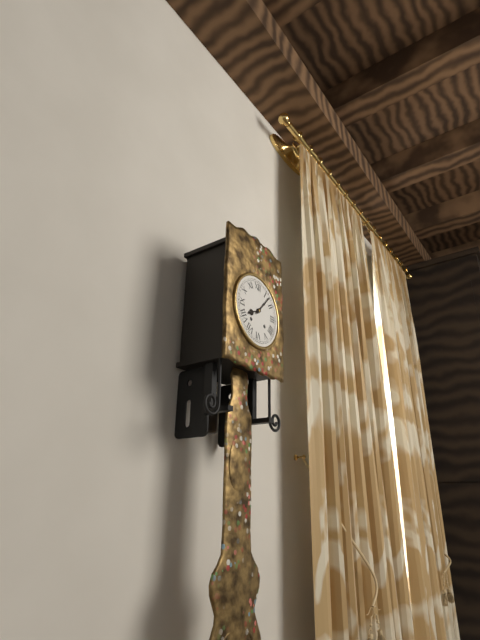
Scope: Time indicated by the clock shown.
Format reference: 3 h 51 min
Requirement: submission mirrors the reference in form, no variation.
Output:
8 h 07 min
